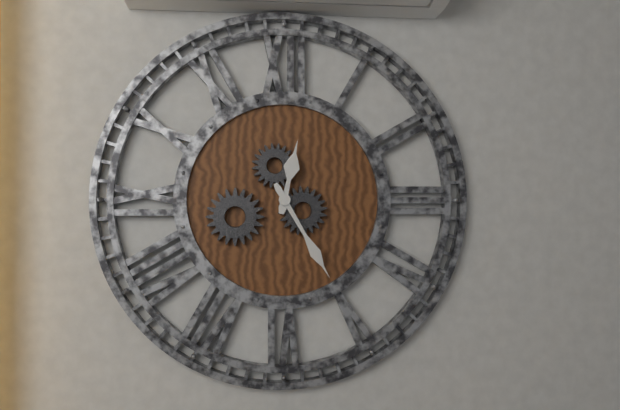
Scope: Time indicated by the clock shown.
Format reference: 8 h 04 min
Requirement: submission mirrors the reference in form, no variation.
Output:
12 h 25 min
